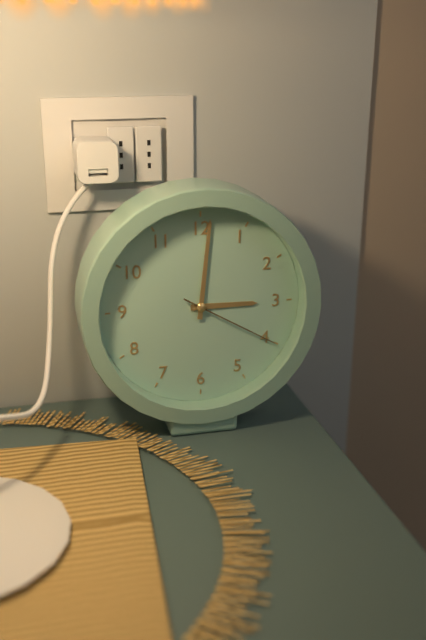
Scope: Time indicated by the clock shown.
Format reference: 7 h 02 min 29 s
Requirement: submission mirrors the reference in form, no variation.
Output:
3 h 01 min 20 s
